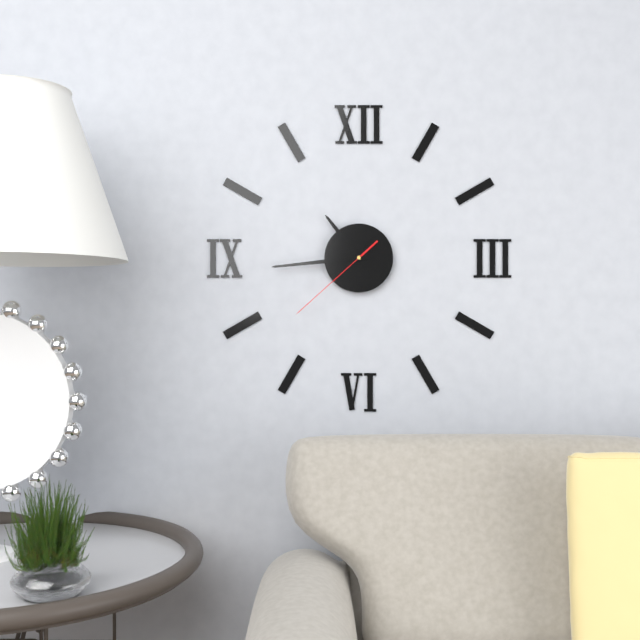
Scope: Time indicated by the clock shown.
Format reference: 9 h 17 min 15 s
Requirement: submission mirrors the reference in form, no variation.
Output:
10 h 44 min 38 s
